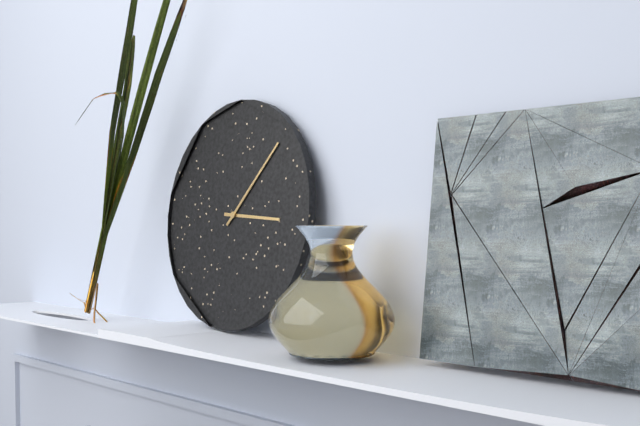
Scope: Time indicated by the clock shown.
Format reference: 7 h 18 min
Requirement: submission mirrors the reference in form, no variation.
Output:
3 h 07 min
